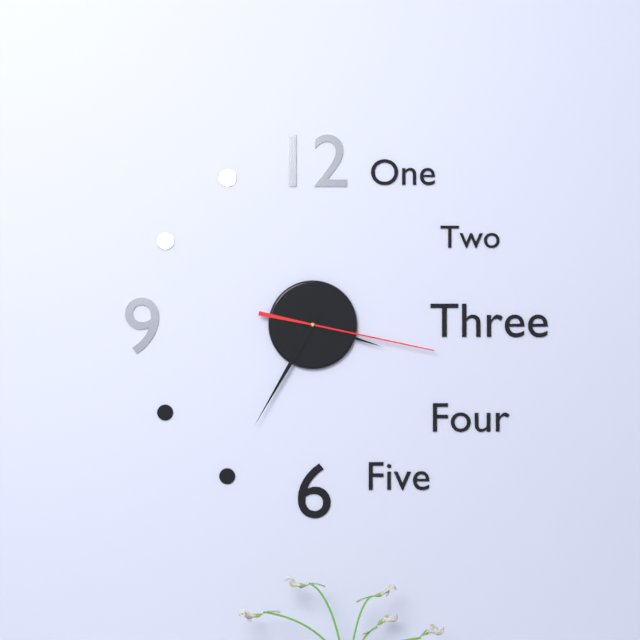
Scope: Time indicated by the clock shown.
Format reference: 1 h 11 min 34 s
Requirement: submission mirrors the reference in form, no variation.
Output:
3 h 35 min 17 s
